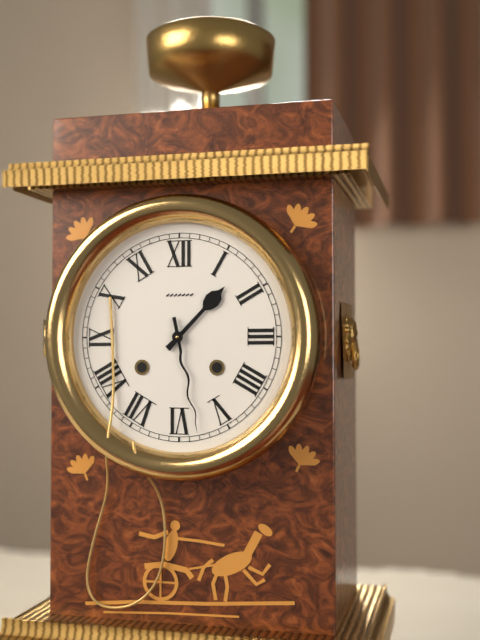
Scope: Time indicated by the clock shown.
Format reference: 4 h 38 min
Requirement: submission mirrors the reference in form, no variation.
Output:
1 h 28 min
